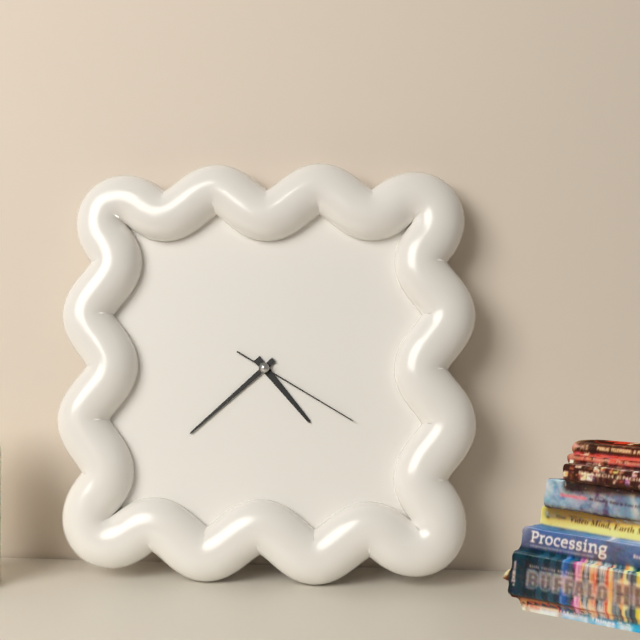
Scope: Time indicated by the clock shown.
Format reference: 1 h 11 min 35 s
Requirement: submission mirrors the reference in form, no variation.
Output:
4 h 38 min 20 s
